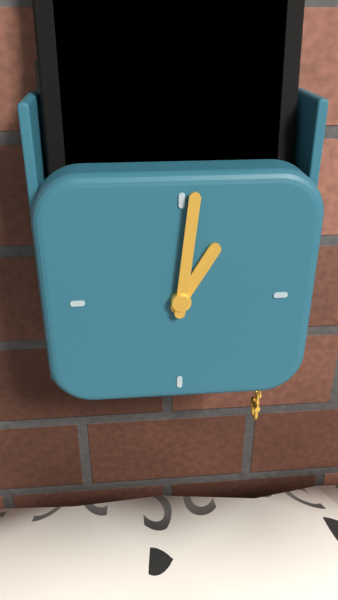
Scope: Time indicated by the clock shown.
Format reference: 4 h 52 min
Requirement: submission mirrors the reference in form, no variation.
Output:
1 h 01 min
